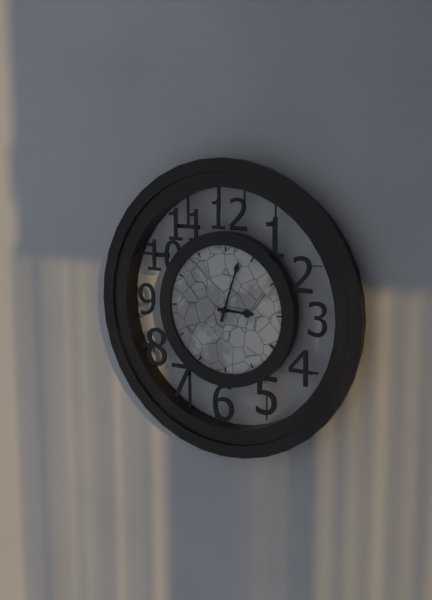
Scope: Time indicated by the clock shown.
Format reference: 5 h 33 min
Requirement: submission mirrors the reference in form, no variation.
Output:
3 h 03 min
